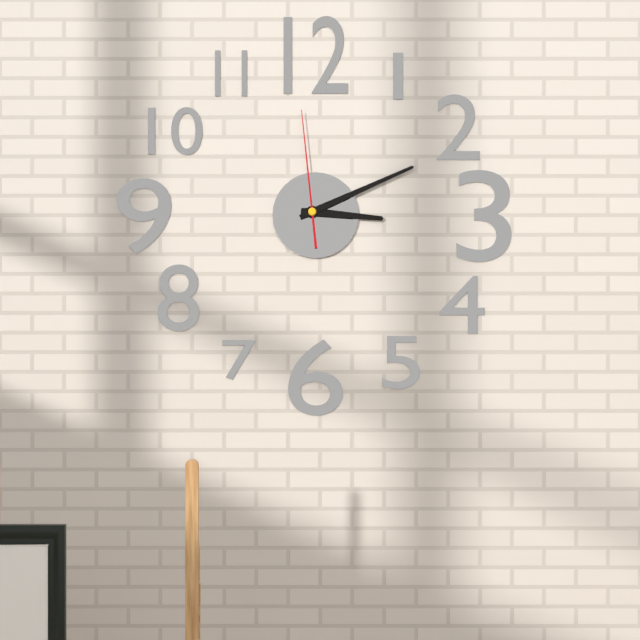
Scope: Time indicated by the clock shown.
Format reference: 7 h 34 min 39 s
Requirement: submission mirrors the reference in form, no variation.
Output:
3 h 11 min 59 s
